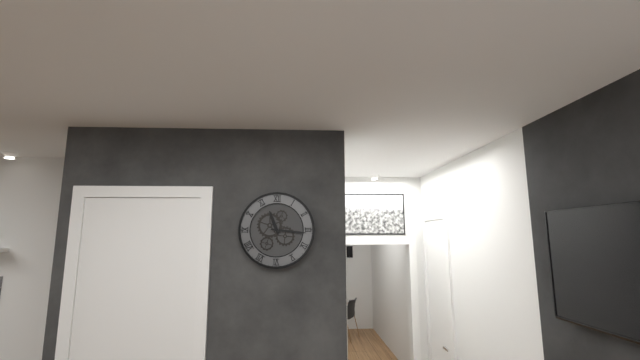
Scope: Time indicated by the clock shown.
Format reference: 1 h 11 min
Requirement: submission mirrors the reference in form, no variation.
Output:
11 h 16 min
